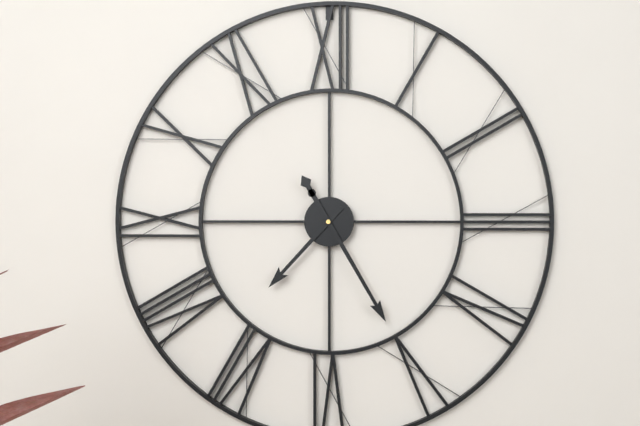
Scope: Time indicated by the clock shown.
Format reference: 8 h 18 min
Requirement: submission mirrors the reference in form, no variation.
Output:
7 h 25 min
